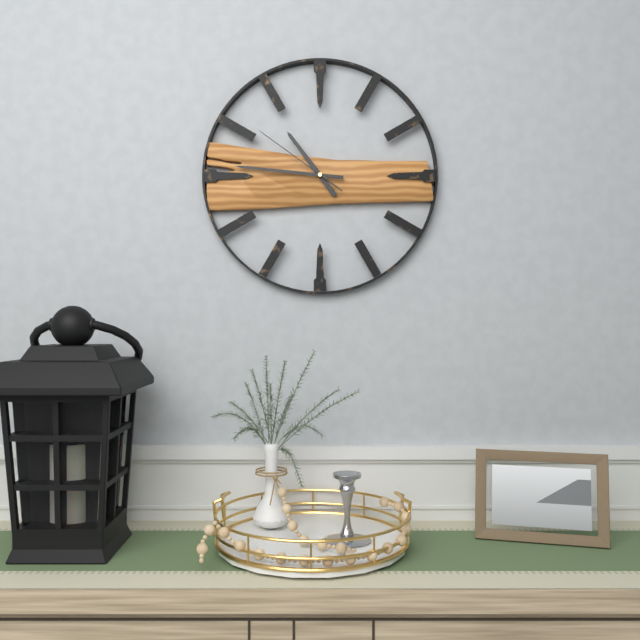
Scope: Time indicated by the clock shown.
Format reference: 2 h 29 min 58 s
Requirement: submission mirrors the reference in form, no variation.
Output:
10 h 46 min 51 s
